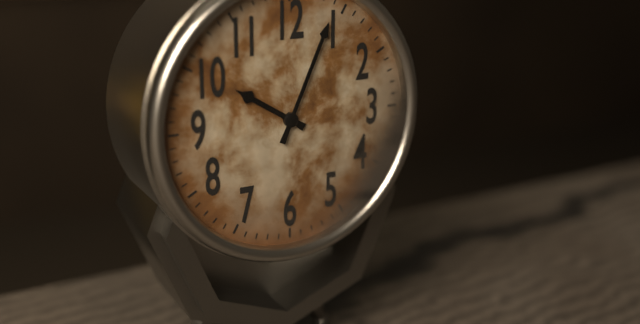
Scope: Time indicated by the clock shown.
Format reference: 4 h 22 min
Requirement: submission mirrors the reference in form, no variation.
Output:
10 h 04 min
